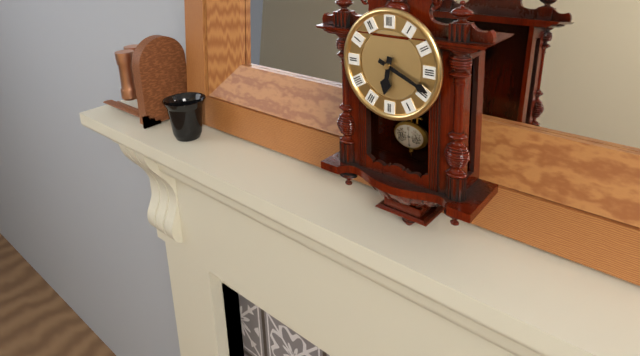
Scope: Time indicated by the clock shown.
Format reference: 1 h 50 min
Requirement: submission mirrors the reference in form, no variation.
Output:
6 h 19 min
